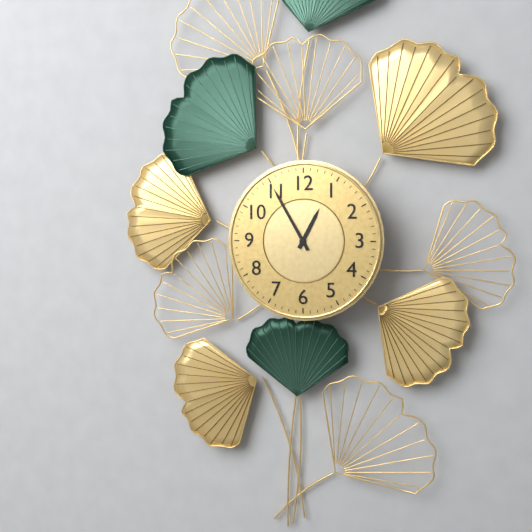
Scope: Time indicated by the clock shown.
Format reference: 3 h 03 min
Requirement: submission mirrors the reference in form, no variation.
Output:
12 h 55 min
